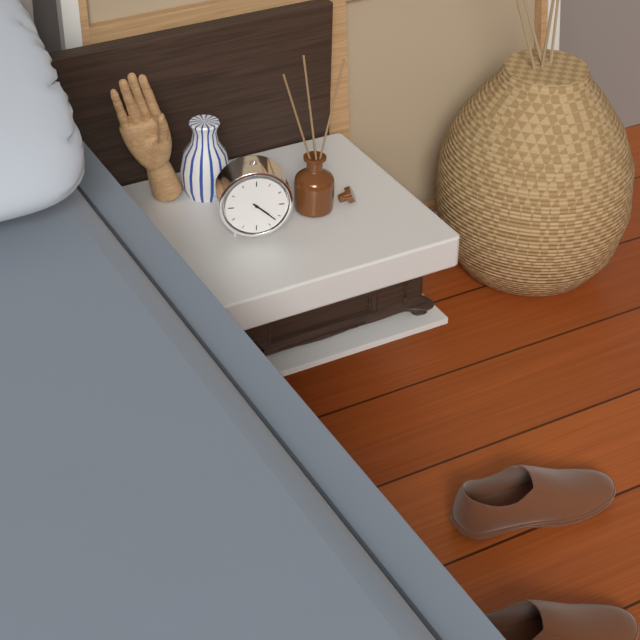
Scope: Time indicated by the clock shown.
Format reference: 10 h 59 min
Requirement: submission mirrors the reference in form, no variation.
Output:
4 h 22 min
